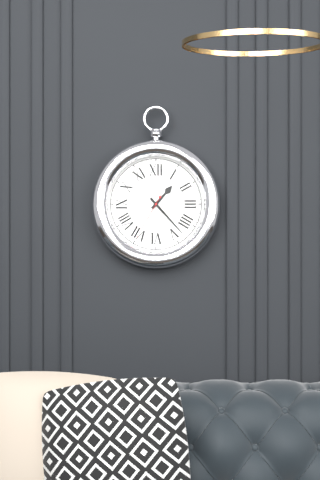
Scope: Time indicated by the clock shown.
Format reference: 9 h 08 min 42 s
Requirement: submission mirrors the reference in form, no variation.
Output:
1 h 23 min 35 s
